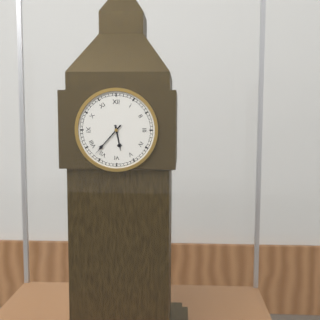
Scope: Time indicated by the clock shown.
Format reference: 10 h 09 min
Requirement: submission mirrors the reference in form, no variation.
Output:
5 h 37 min
